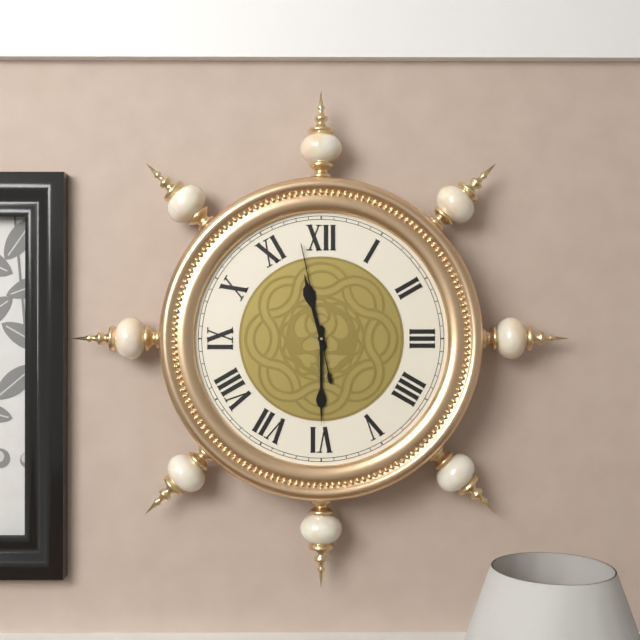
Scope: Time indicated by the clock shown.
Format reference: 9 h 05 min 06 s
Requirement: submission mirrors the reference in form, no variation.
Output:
11 h 30 min 58 s
